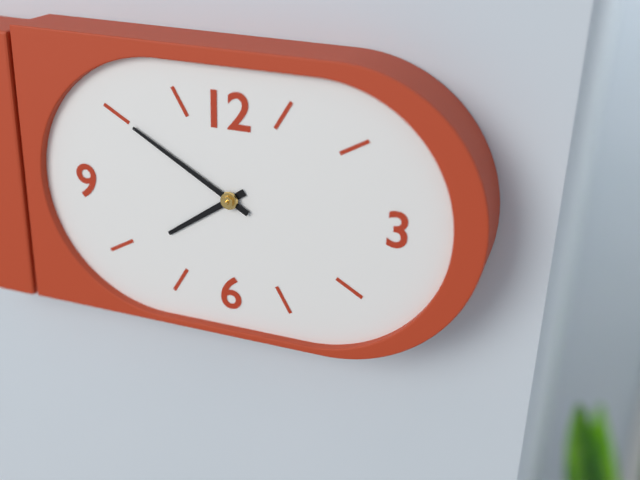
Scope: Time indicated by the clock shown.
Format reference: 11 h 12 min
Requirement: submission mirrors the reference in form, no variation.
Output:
7 h 50 min
